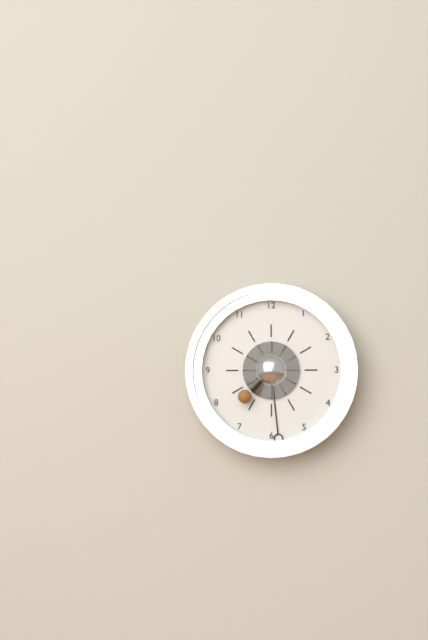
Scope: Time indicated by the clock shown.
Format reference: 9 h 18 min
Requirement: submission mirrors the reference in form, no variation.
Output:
7 h 29 min
